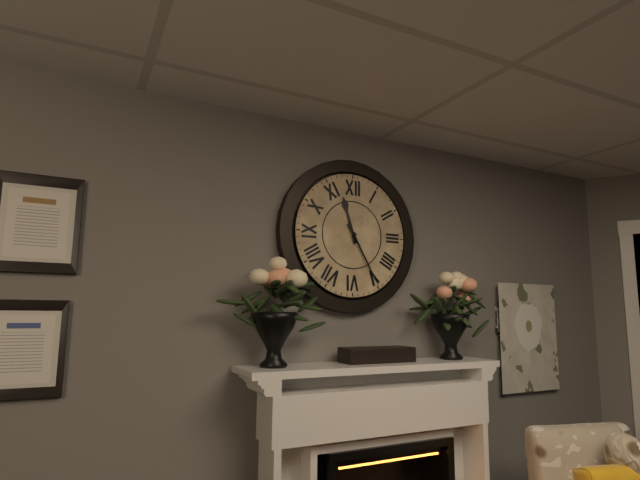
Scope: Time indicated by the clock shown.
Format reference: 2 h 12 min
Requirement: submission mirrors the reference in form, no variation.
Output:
11 h 25 min
